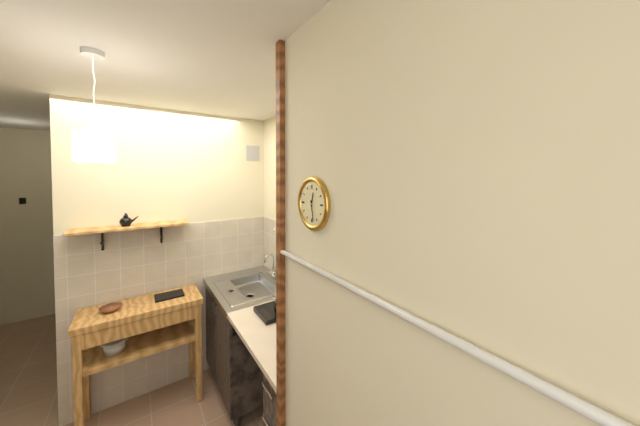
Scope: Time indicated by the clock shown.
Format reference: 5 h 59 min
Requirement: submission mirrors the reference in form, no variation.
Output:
12 h 28 min
